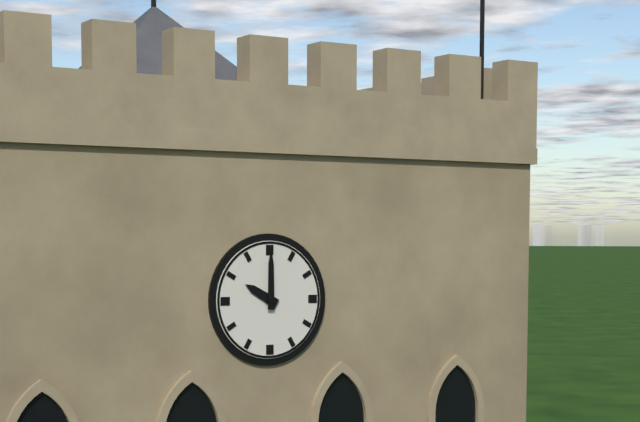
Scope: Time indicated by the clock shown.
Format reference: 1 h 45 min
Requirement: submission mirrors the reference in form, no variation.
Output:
10 h 00 min
